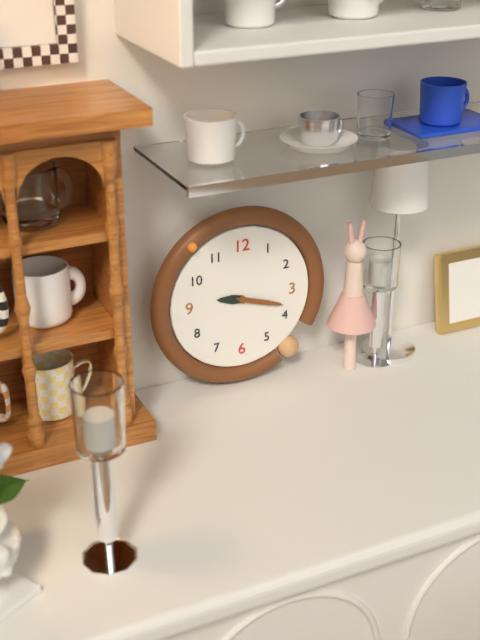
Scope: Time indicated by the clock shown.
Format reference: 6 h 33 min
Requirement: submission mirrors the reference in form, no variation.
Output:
9 h 18 min
